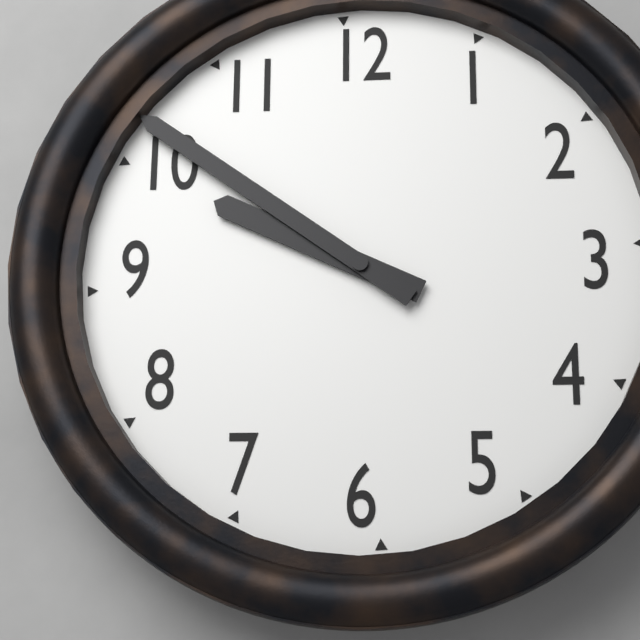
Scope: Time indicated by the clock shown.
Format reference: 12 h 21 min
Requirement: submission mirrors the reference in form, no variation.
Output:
9 h 51 min
